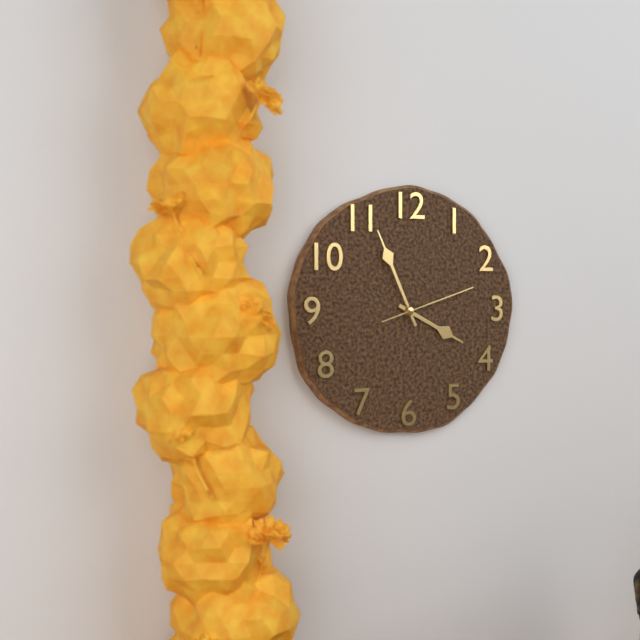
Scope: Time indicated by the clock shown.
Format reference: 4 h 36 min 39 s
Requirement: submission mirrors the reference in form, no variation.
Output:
3 h 56 min 12 s
